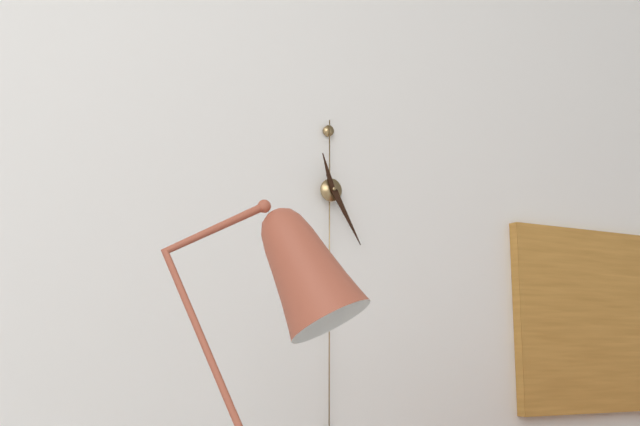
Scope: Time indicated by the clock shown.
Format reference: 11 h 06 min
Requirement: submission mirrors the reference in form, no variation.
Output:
11 h 25 min
